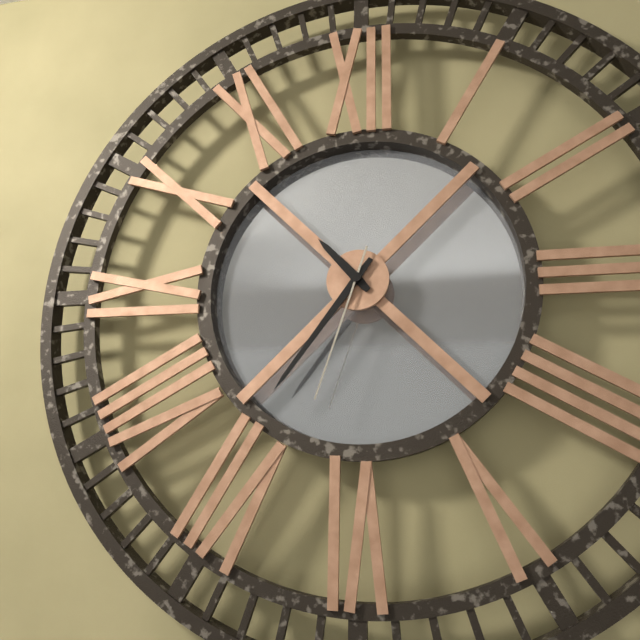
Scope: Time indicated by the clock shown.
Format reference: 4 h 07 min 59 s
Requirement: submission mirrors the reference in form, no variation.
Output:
10 h 36 min 33 s
